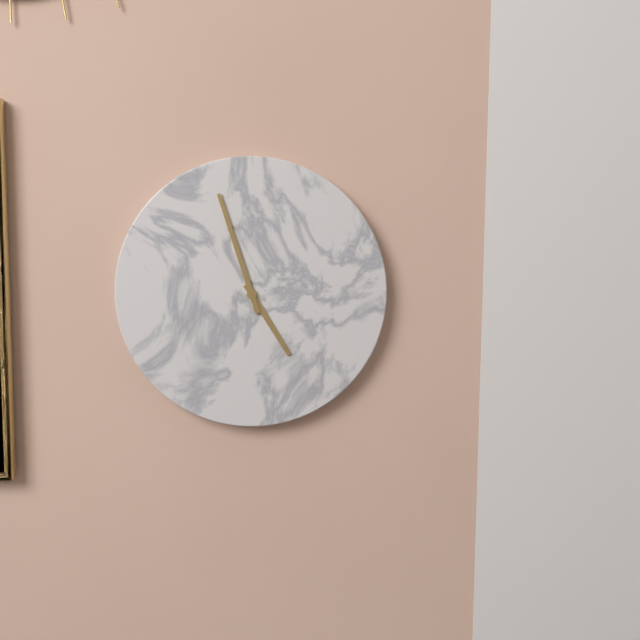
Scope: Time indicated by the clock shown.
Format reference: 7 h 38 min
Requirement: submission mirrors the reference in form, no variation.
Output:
4 h 57 min
